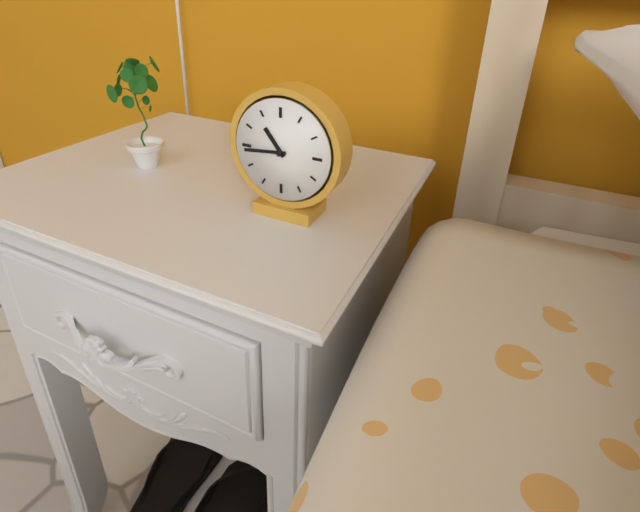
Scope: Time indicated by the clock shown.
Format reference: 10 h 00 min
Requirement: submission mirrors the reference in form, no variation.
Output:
10 h 44 min
